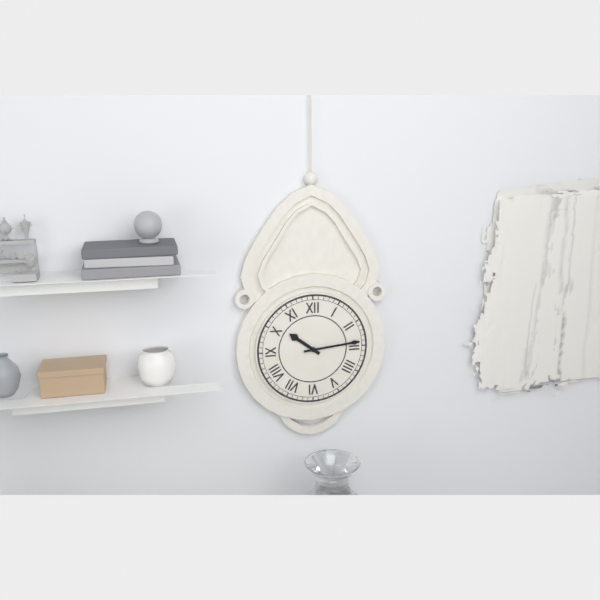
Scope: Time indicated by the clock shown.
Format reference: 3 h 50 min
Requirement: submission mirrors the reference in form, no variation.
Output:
10 h 14 min
